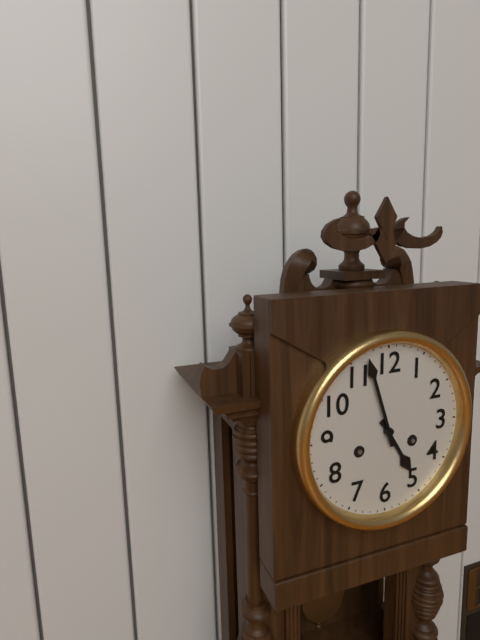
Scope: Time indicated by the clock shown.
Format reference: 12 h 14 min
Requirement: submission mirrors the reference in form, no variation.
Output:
4 h 57 min
